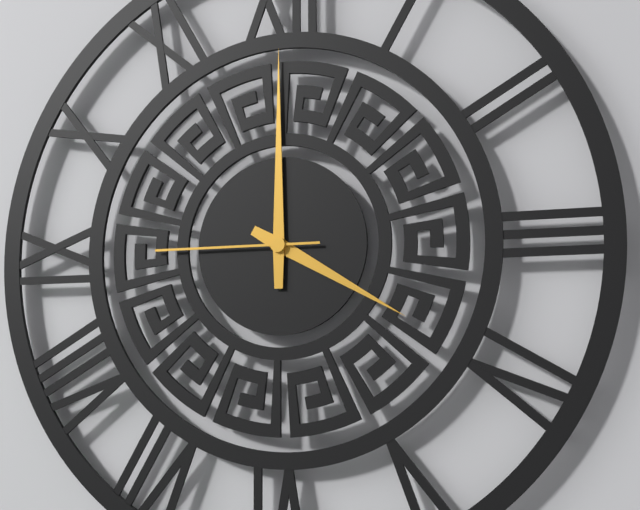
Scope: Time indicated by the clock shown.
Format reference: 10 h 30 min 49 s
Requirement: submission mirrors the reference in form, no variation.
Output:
4 h 00 min 45 s
